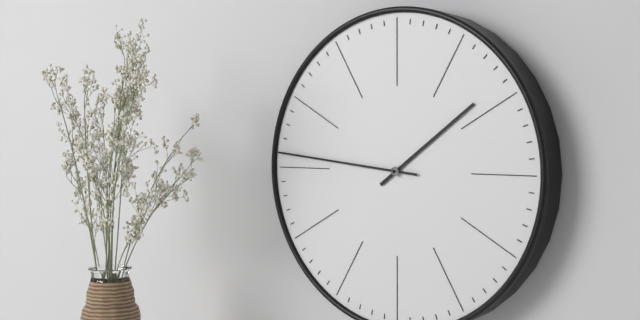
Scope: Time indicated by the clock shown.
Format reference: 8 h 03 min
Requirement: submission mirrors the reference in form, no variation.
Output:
1 h 46 min
